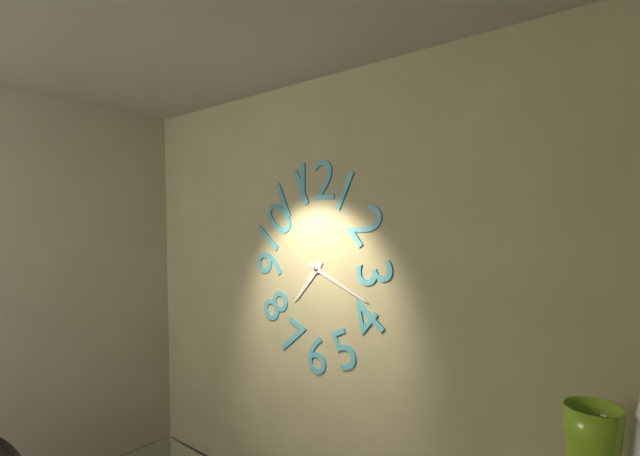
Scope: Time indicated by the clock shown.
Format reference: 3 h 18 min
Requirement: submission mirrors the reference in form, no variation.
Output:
7 h 19 min
